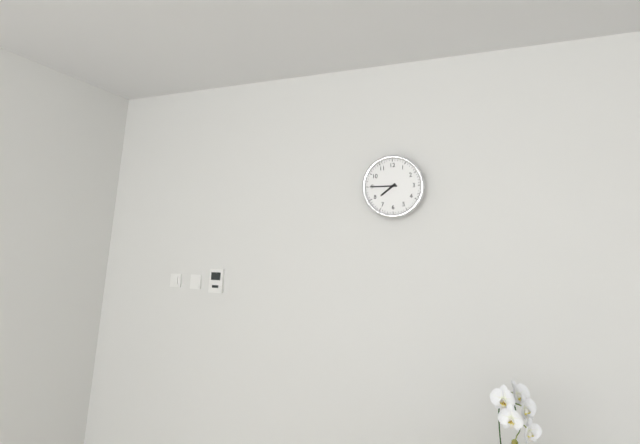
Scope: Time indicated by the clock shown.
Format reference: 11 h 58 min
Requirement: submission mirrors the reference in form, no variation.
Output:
7 h 45 min
